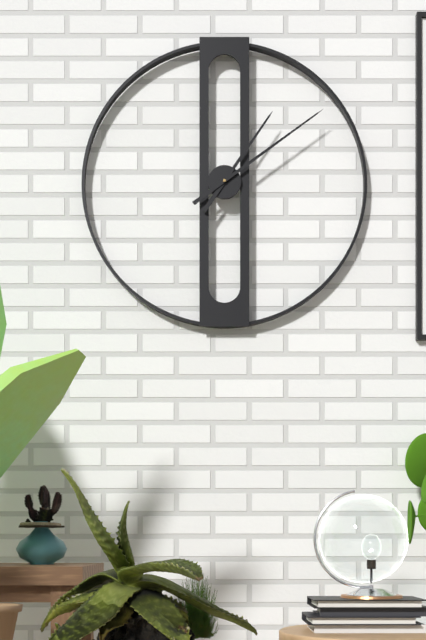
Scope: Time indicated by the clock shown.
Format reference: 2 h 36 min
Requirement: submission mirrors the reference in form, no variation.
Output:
1 h 09 min
